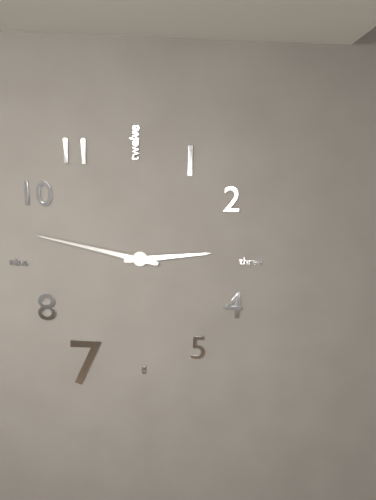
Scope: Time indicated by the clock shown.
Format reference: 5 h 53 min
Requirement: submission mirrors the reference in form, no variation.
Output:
2 h 47 min
